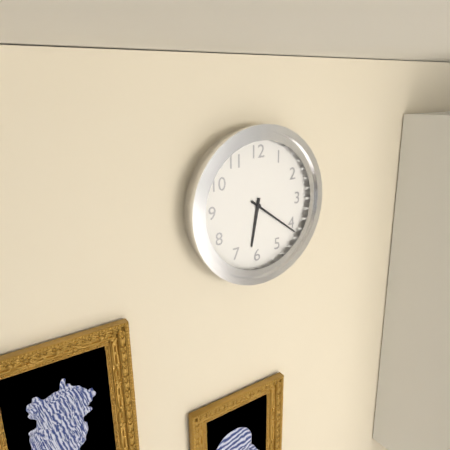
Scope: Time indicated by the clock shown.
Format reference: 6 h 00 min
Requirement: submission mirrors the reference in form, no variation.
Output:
6 h 21 min
